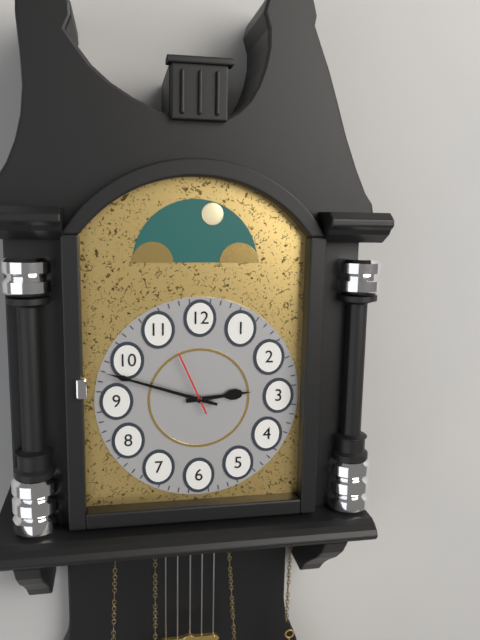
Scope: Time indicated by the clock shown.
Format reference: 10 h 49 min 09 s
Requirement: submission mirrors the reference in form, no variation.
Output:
2 h 48 min 56 s
